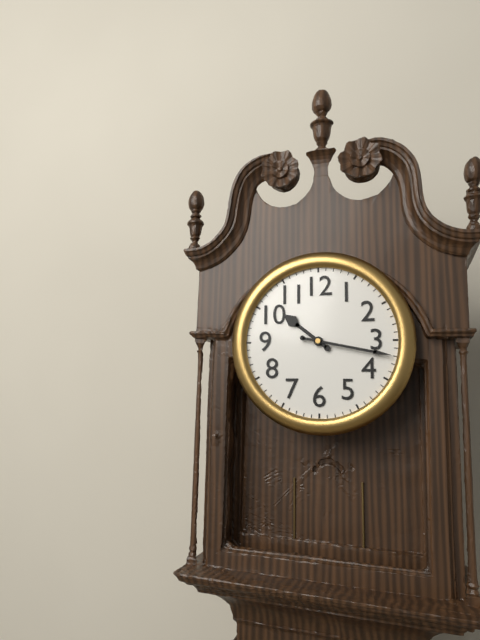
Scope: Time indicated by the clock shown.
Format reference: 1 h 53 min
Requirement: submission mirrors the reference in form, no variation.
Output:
10 h 17 min
